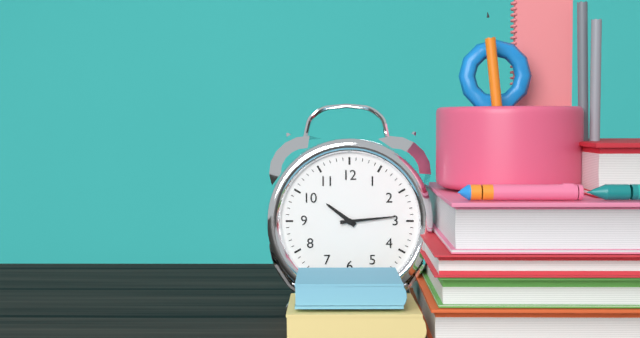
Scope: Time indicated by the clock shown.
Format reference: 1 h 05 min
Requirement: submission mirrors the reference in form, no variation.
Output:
10 h 14 min
